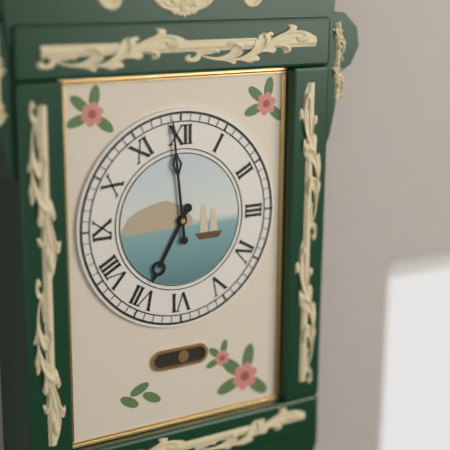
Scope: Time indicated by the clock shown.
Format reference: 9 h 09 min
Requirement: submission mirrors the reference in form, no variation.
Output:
6 h 59 min
